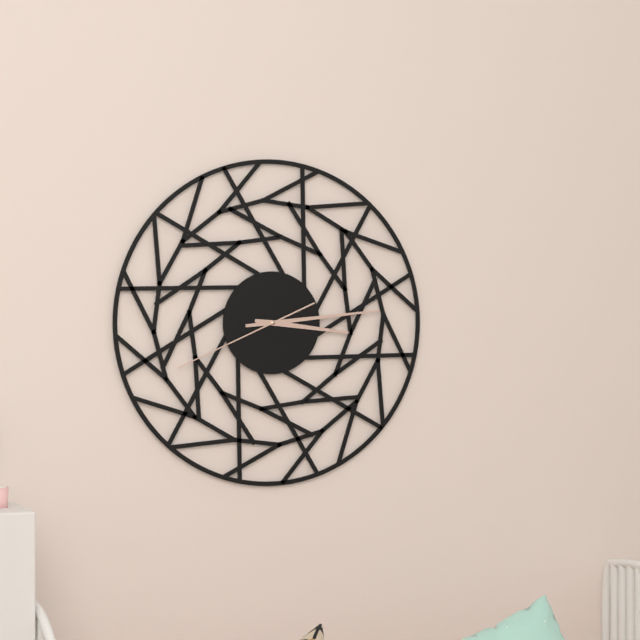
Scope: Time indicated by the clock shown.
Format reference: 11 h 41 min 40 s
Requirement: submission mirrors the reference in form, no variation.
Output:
3 h 14 min 41 s
